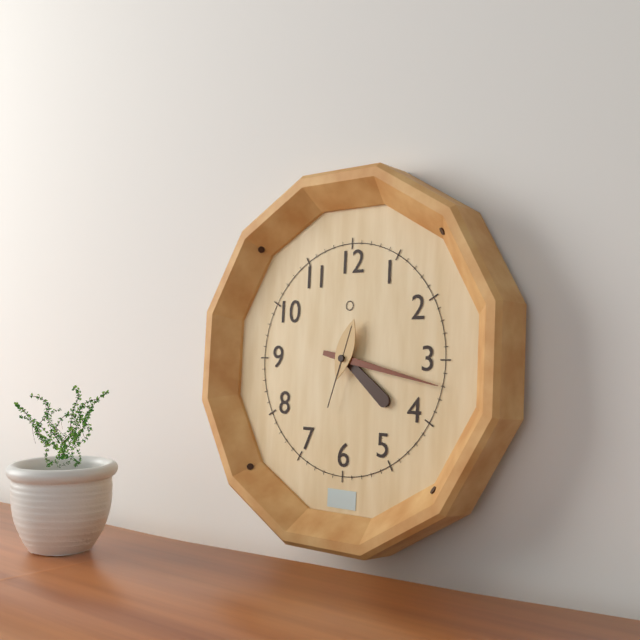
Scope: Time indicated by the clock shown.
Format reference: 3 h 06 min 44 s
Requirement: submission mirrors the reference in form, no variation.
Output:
4 h 17 min 33 s
